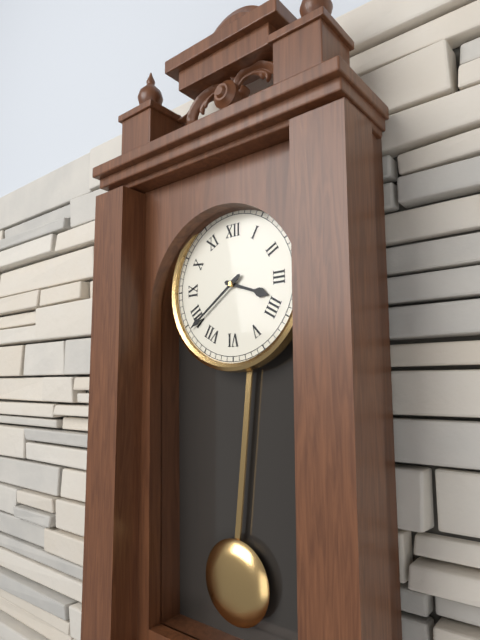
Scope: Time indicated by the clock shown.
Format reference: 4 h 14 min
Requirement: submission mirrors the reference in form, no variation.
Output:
3 h 39 min
